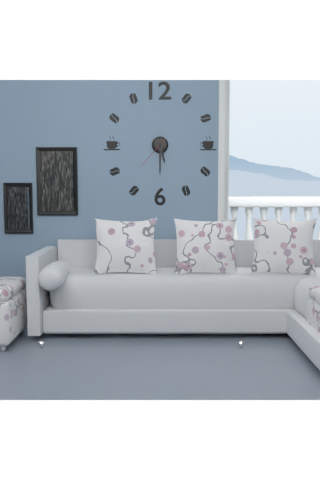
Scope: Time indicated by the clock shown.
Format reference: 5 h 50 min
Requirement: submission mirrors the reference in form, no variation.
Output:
5 h 30 min
